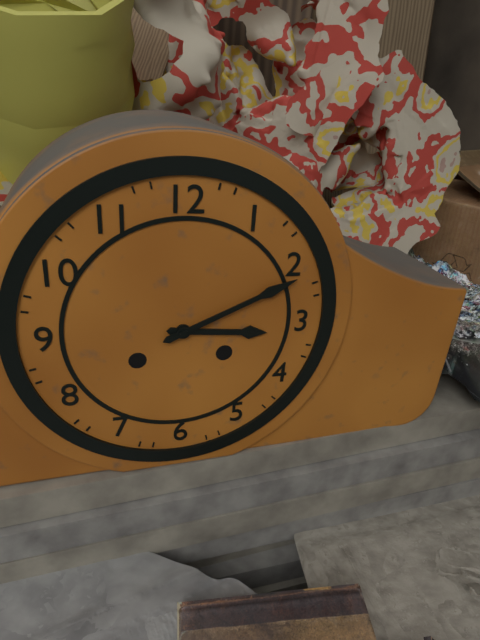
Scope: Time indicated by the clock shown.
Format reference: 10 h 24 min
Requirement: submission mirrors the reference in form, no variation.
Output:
3 h 11 min
